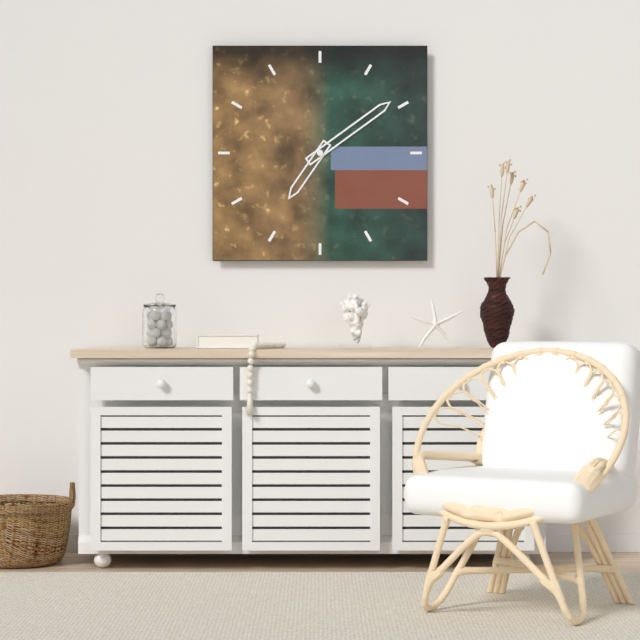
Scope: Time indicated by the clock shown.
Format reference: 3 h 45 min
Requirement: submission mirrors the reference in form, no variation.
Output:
7 h 09 min
